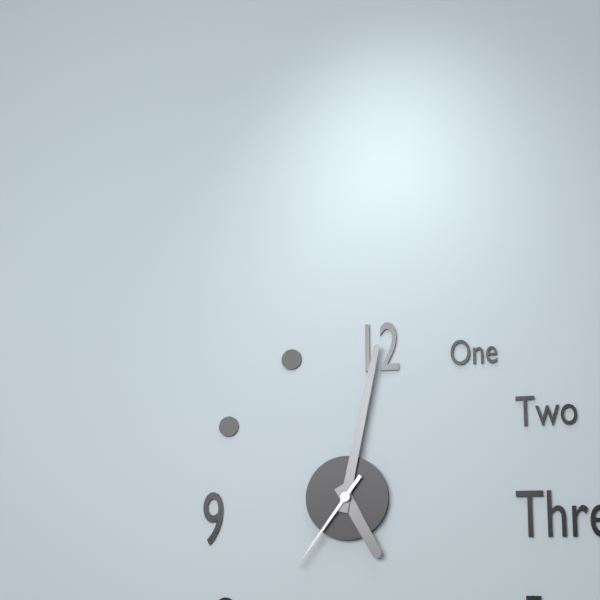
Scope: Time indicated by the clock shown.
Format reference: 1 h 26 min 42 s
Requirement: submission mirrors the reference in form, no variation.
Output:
5 h 02 min 36 s
